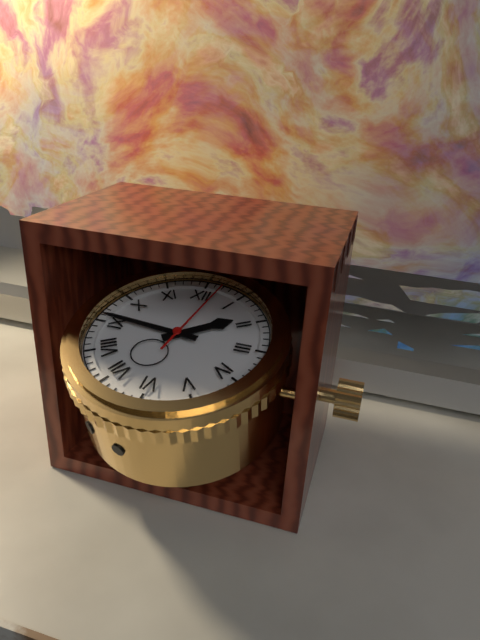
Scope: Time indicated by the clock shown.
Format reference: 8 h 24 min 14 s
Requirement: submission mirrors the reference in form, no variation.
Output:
1 h 46 min 02 s
